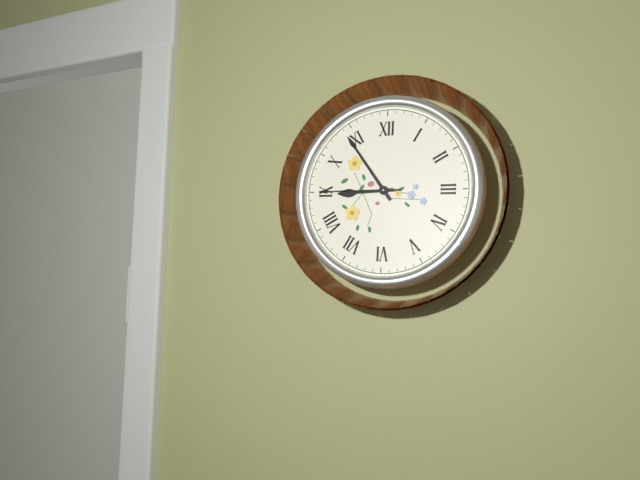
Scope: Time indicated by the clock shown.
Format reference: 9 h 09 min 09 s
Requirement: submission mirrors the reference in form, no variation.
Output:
8 h 54 min 45 s
